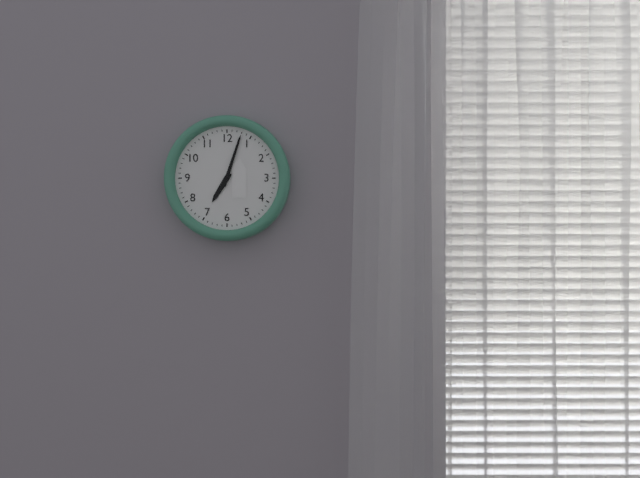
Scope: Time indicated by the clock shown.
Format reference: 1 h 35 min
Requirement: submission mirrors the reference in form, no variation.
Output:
7 h 03 min
